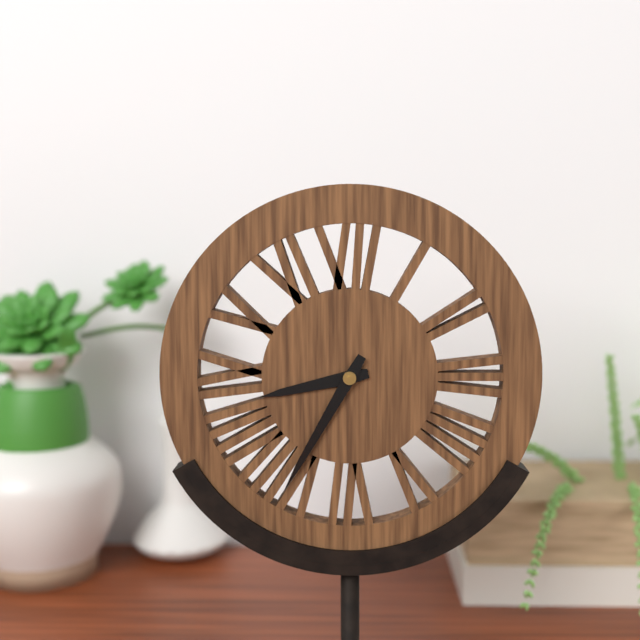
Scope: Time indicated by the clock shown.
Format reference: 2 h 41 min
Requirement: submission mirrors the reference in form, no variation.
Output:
8 h 35 min
